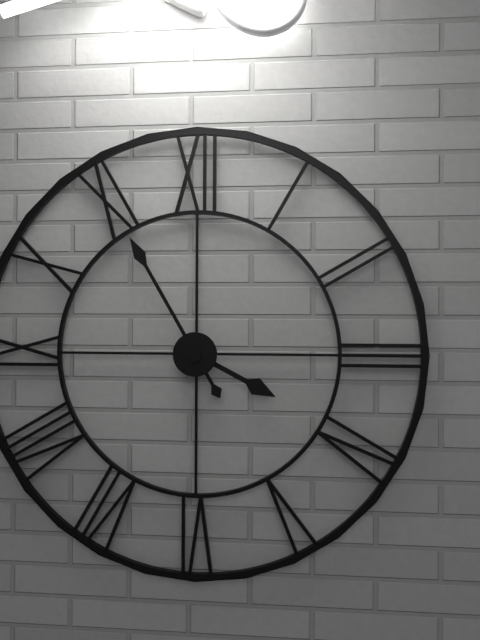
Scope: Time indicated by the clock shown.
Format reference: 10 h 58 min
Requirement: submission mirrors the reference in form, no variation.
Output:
3 h 55 min
